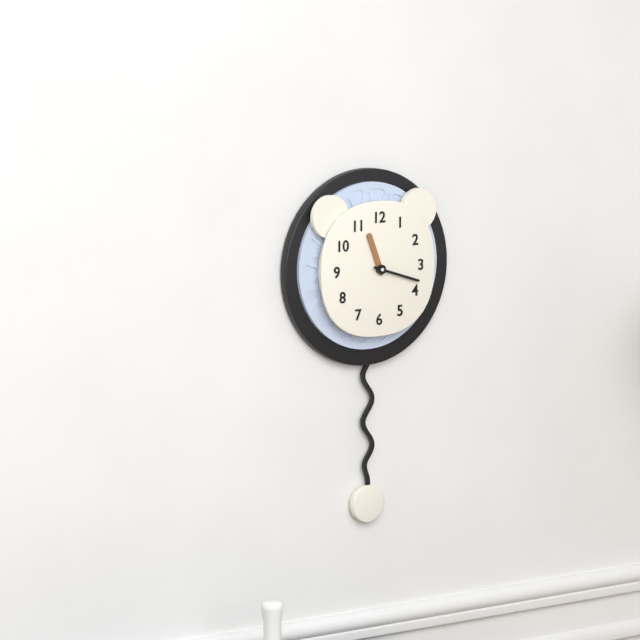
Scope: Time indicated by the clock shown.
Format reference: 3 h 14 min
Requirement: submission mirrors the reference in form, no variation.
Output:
11 h 18 min
